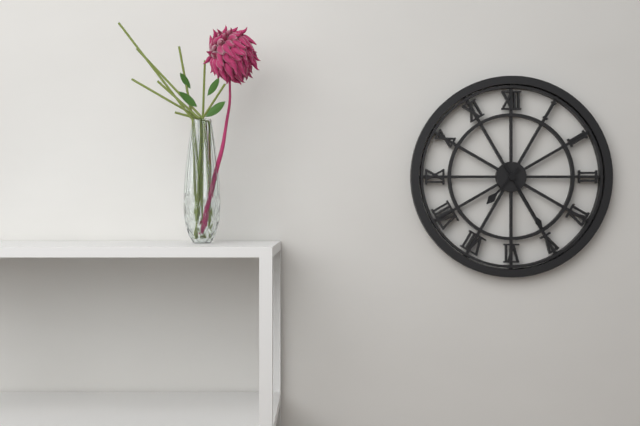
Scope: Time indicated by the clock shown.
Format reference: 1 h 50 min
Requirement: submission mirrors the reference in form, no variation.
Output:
7 h 25 min
